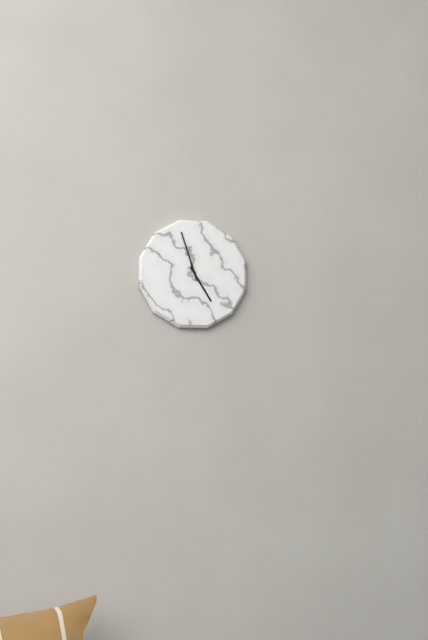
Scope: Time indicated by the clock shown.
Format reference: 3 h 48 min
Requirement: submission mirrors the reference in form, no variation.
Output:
4 h 57 min
